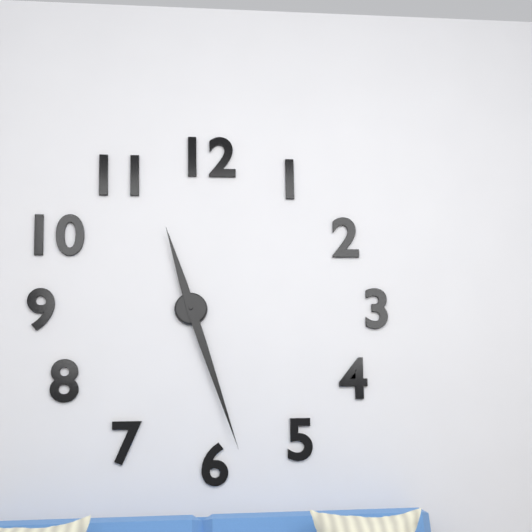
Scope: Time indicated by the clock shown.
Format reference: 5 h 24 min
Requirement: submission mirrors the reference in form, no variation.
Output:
11 h 27 min
